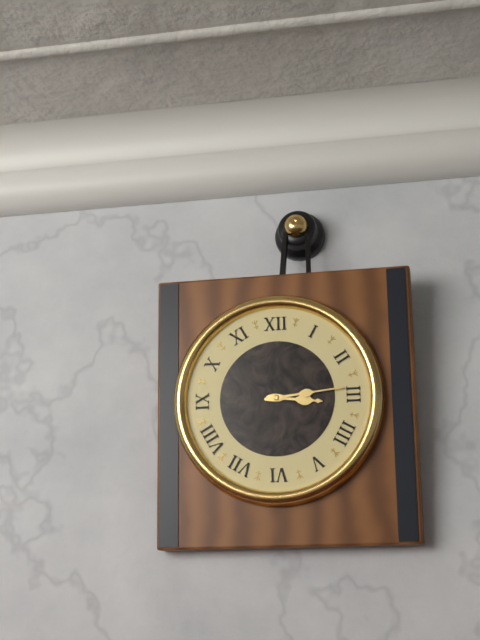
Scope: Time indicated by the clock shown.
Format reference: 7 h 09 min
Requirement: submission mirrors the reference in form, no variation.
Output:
3 h 14 min
